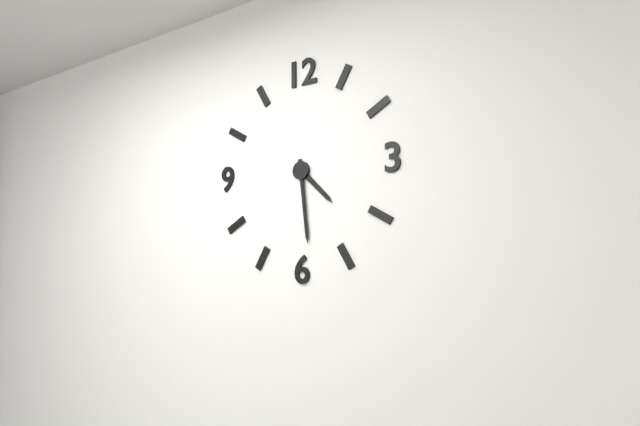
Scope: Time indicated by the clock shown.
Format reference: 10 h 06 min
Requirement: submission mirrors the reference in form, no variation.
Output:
4 h 29 min
